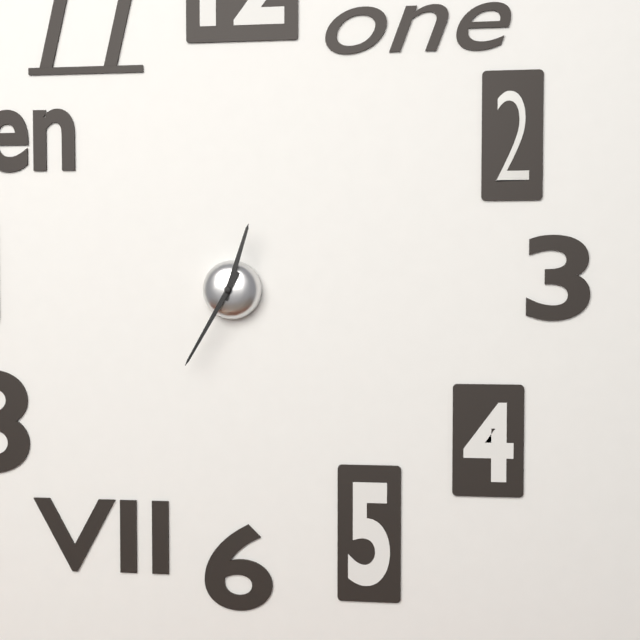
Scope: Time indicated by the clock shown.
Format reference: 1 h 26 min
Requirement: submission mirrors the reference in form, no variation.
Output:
12 h 35 min
